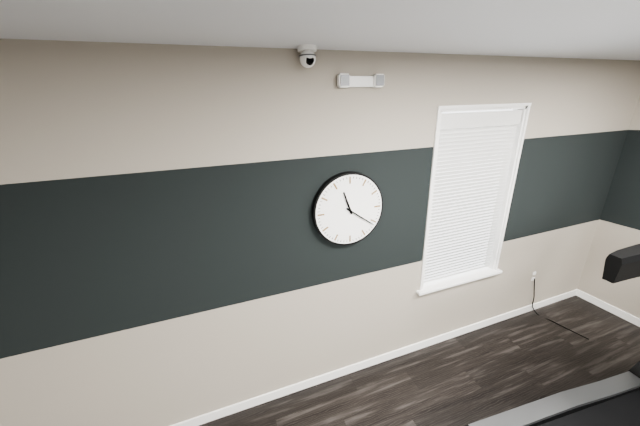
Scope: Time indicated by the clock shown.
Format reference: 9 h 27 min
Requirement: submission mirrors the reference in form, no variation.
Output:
11 h 21 min
